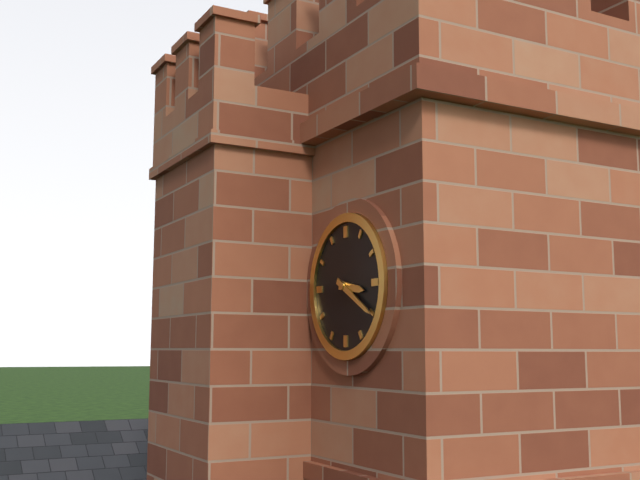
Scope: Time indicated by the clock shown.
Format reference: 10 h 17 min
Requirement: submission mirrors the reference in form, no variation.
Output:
3 h 20 min
